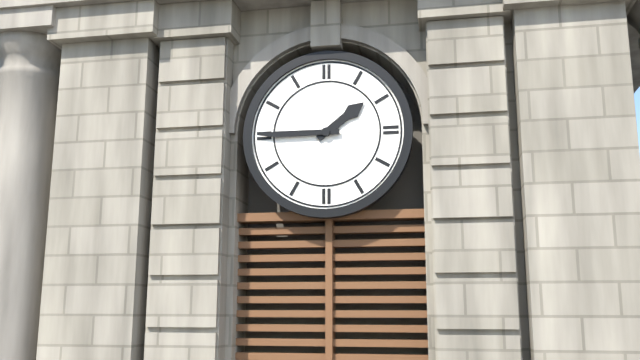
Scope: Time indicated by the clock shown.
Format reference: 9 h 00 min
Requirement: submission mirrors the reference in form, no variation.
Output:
1 h 45 min
